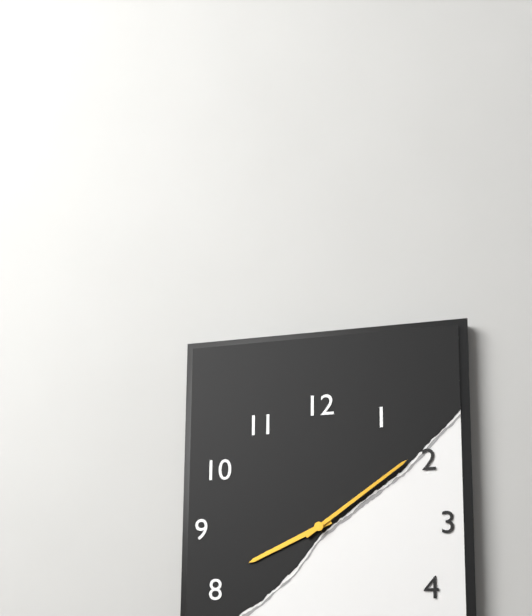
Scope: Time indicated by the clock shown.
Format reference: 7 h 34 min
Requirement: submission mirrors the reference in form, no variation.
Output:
8 h 09 min
